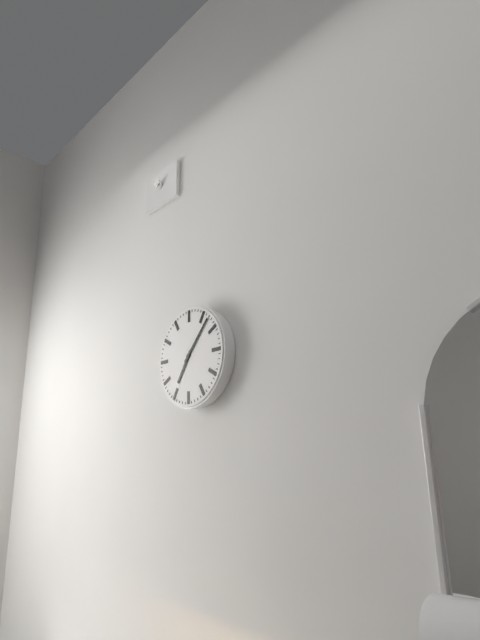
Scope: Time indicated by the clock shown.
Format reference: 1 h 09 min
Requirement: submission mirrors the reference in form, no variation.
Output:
7 h 07 min
